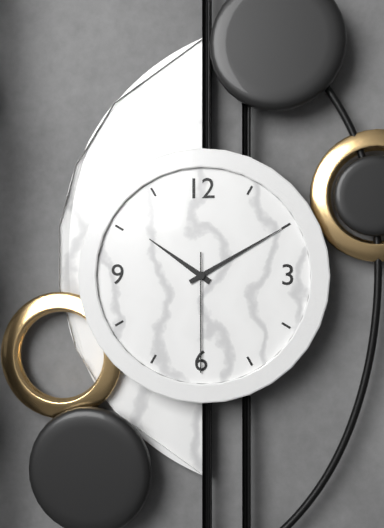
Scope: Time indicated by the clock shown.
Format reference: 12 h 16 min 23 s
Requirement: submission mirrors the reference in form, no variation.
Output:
10 h 10 min 30 s
